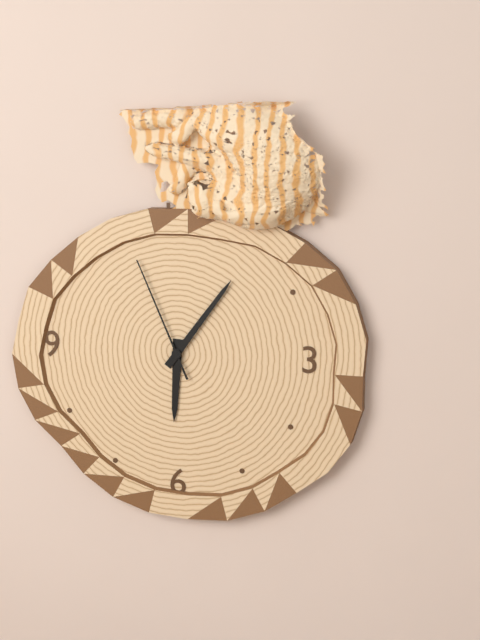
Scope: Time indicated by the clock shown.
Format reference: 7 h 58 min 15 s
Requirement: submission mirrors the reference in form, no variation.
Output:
6 h 06 min 56 s
